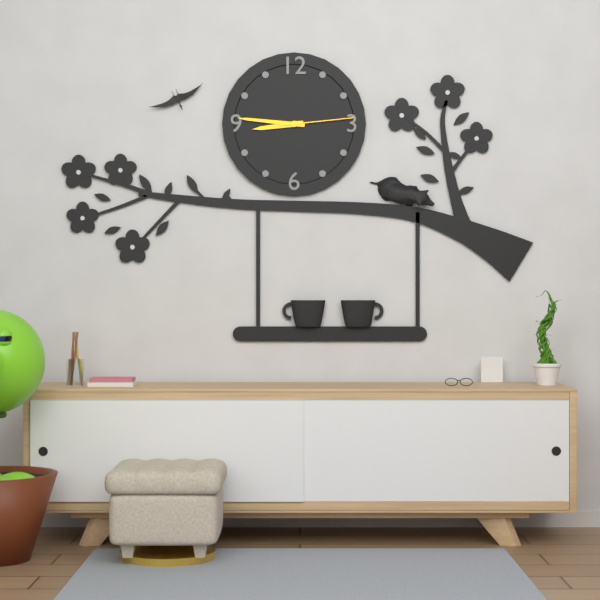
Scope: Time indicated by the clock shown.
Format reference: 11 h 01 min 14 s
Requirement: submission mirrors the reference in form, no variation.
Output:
8 h 46 min 14 s
